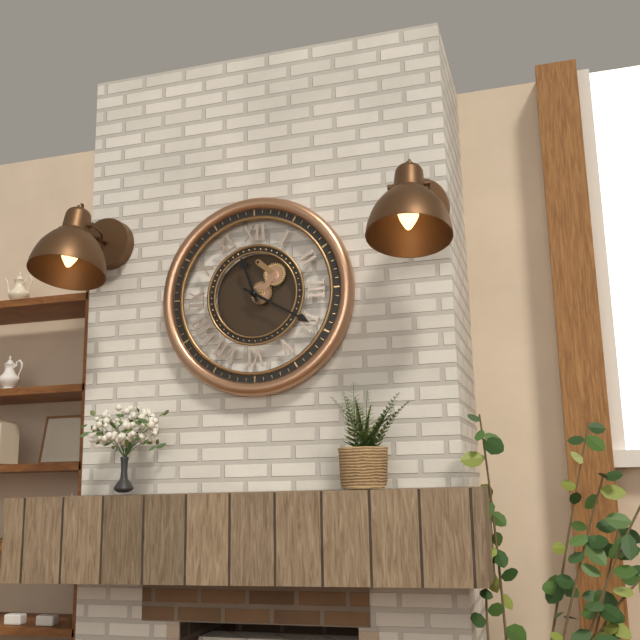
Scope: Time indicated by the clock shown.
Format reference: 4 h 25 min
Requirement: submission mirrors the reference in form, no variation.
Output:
11 h 20 min
